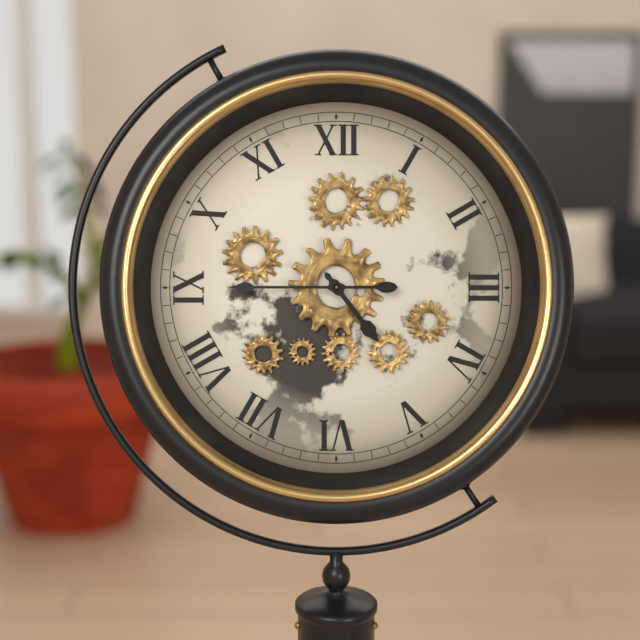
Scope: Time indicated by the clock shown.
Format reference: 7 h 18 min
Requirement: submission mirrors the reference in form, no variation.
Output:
4 h 45 min
